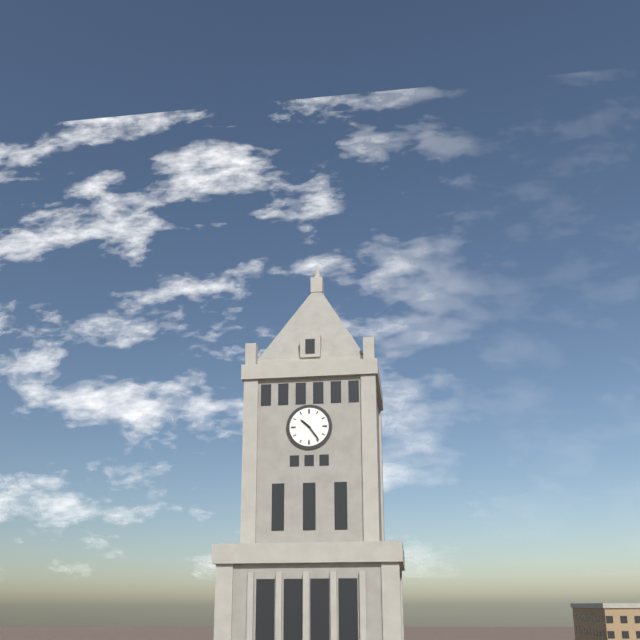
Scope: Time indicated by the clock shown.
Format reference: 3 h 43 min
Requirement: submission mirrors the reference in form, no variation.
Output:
10 h 24 min
